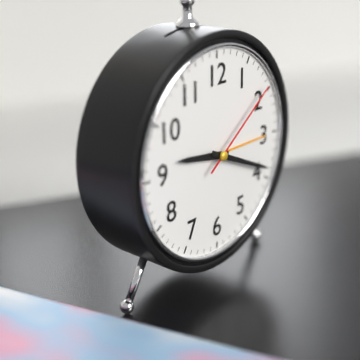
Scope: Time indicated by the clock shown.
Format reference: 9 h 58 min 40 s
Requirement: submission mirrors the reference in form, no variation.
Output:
9 h 19 min 09 s
